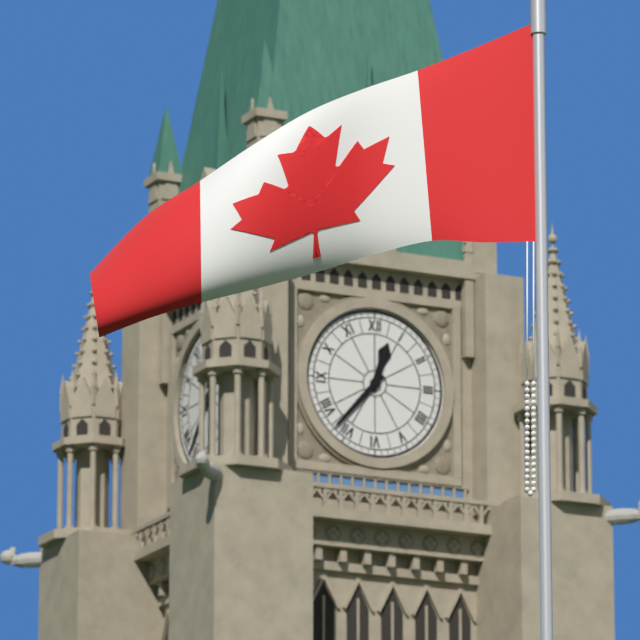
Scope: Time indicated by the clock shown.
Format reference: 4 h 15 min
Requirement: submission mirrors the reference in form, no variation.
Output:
12 h 37 min
